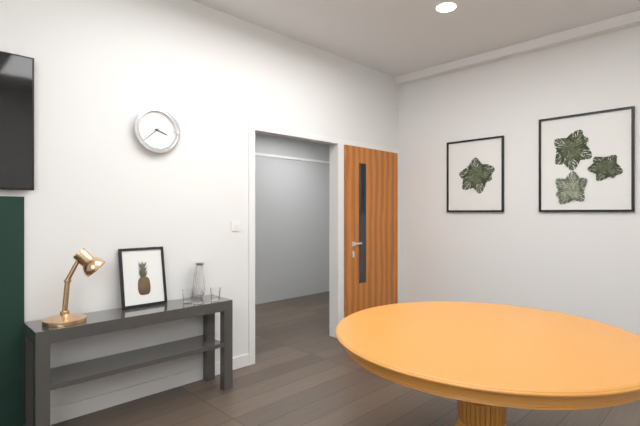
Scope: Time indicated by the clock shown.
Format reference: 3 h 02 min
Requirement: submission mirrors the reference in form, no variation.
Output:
3 h 38 min
